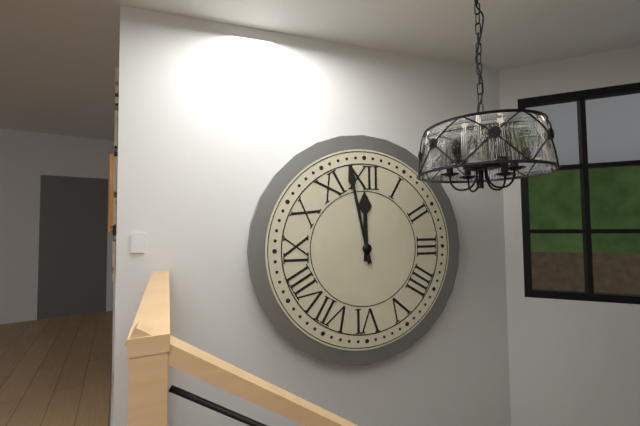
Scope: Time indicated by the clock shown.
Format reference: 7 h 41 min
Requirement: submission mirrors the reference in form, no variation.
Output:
11 h 58 min
